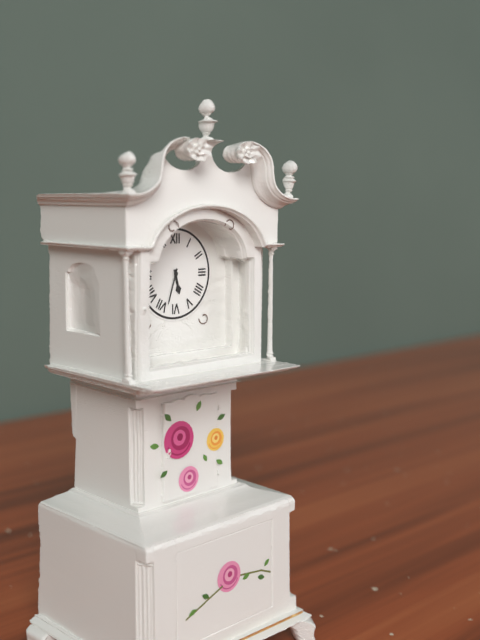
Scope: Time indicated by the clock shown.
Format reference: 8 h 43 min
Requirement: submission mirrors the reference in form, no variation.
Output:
5 h 33 min
